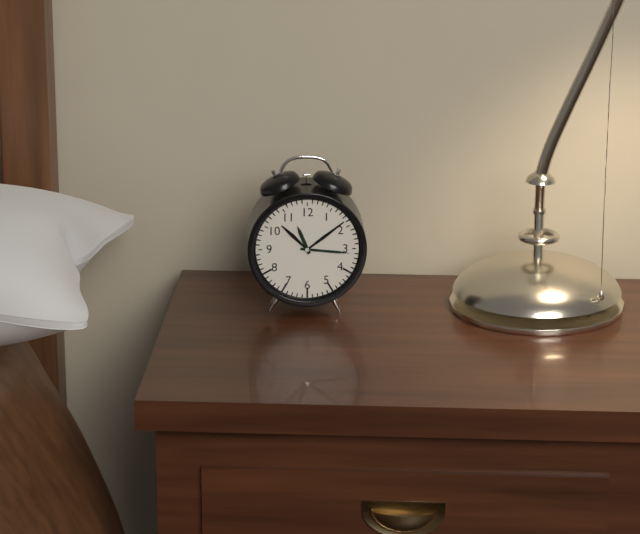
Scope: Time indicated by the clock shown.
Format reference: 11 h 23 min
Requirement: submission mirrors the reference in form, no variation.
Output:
11 h 16 min
